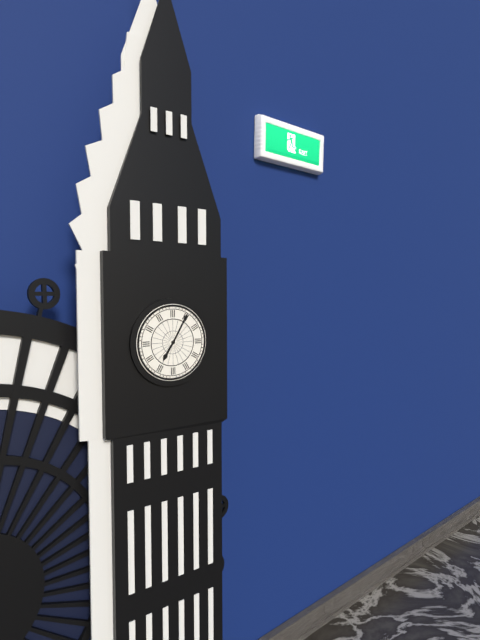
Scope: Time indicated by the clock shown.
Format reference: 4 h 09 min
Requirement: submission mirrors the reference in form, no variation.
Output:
7 h 05 min
